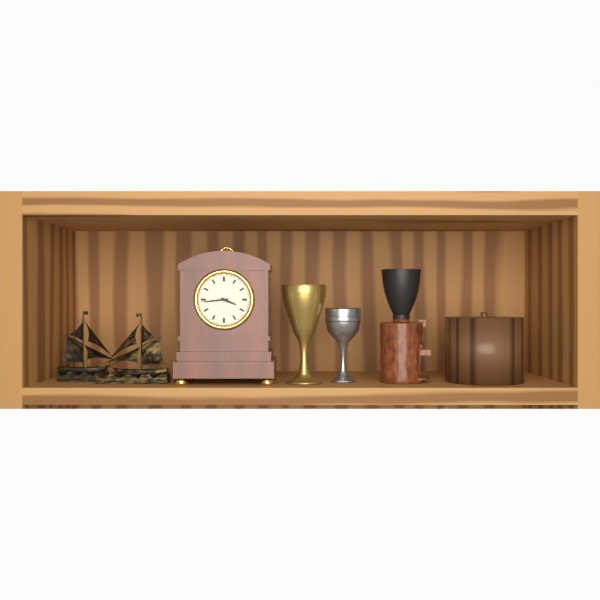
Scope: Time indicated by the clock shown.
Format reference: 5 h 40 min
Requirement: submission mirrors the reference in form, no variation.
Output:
3 h 44 min
